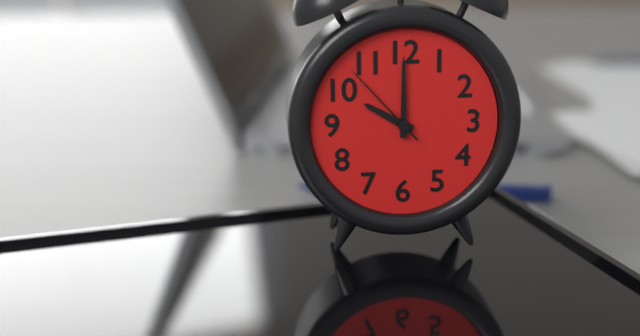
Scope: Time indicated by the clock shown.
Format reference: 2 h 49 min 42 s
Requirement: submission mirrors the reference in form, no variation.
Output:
10 h 00 min 53 s
